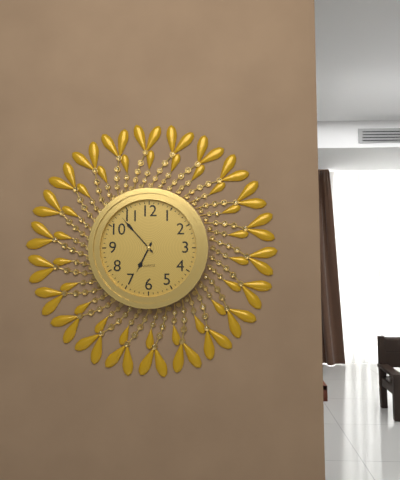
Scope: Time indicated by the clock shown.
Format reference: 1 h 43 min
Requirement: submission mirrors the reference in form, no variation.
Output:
6 h 53 min
